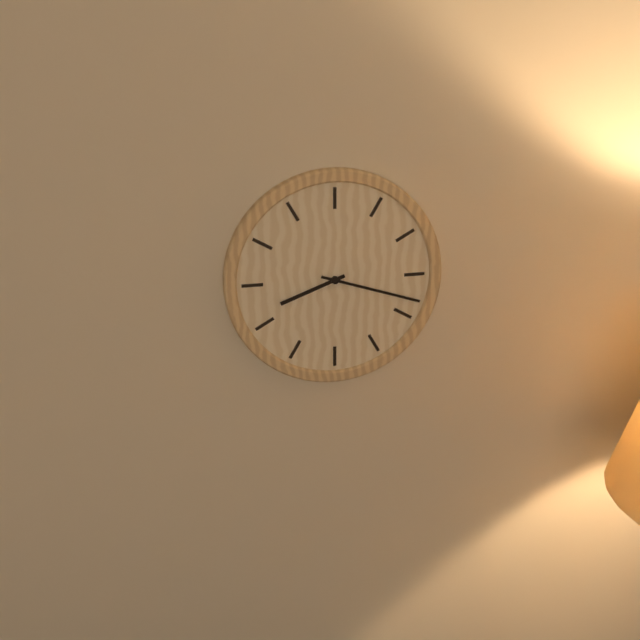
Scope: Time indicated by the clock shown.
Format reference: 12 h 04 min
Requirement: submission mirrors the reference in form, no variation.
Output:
8 h 18 min
